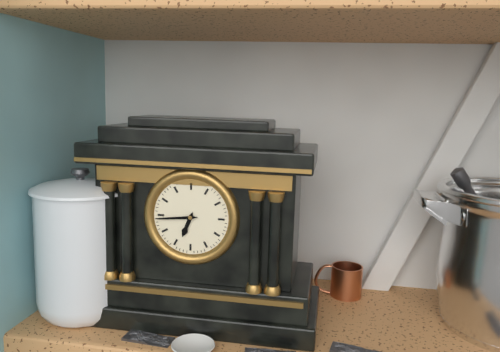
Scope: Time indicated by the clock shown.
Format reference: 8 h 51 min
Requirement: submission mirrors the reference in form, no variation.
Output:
6 h 44 min
